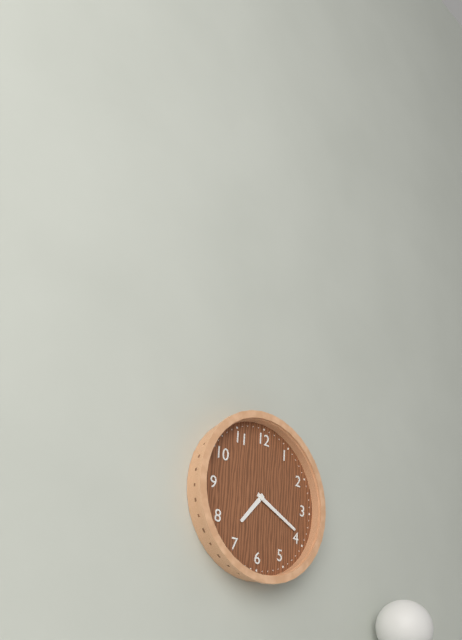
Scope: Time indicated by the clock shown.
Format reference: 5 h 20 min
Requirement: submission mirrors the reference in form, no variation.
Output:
7 h 19 min
